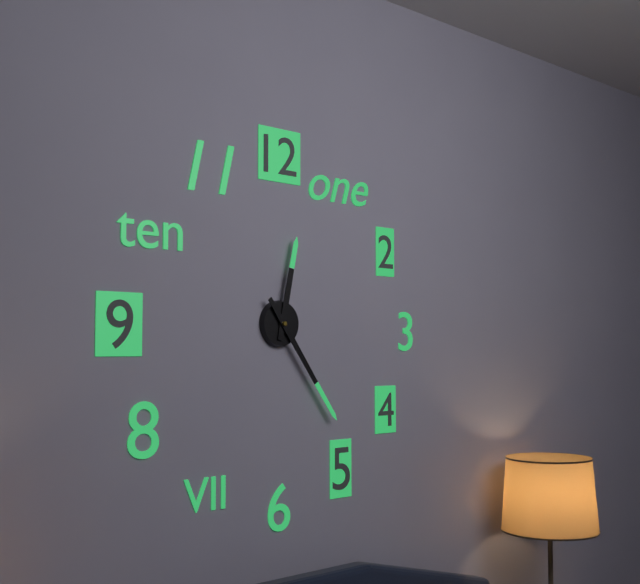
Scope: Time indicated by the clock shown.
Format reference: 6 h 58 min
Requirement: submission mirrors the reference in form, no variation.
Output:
12 h 24 min
